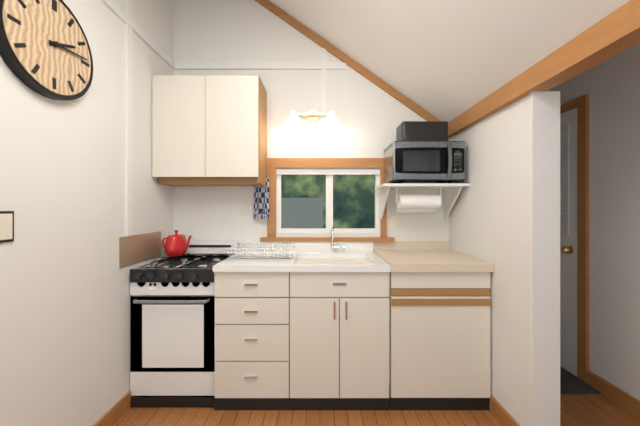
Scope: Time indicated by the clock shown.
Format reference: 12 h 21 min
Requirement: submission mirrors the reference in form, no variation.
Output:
2 h 14 min
